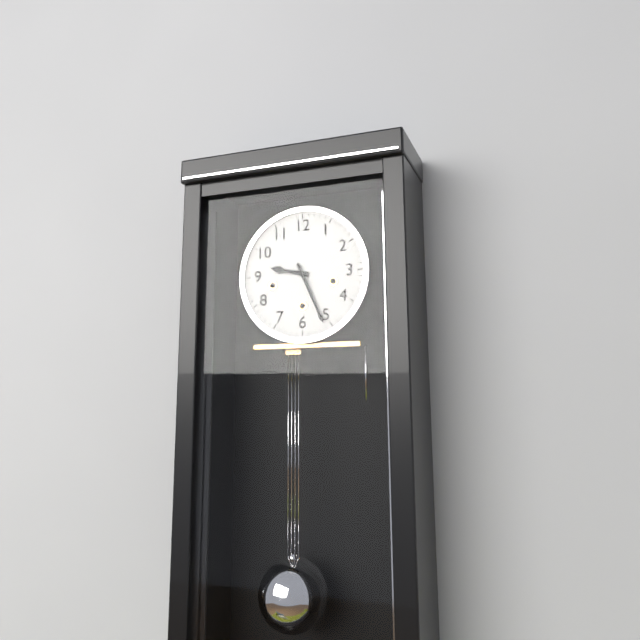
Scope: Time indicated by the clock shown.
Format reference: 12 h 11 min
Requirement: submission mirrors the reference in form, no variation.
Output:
9 h 26 min
